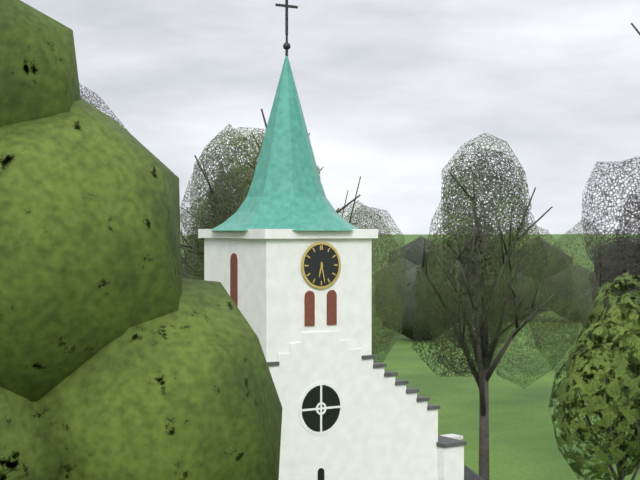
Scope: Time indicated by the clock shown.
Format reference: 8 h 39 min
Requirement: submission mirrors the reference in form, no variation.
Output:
6 h 28 min
